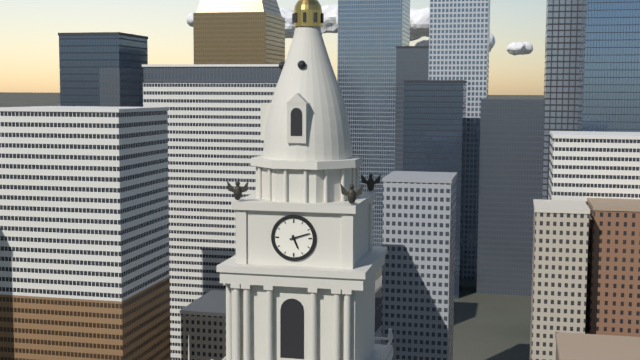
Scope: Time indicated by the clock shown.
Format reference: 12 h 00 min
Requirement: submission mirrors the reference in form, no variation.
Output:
5 h 12 min
